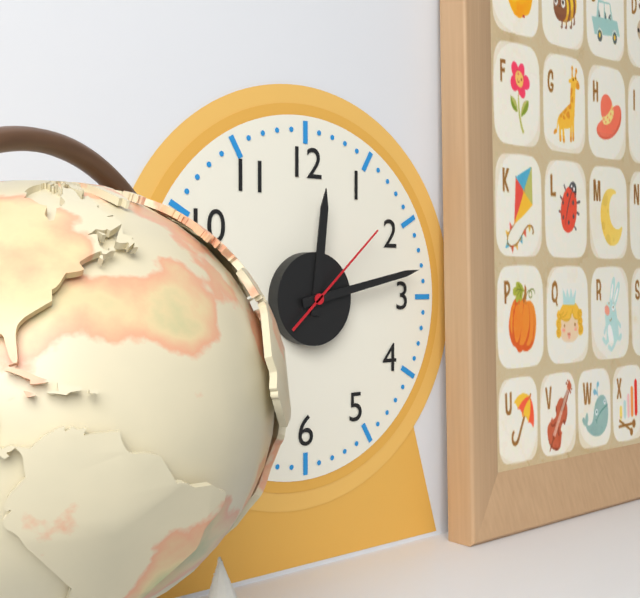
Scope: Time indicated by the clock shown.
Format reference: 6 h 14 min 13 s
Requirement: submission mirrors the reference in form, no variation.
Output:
12 h 13 min 08 s
